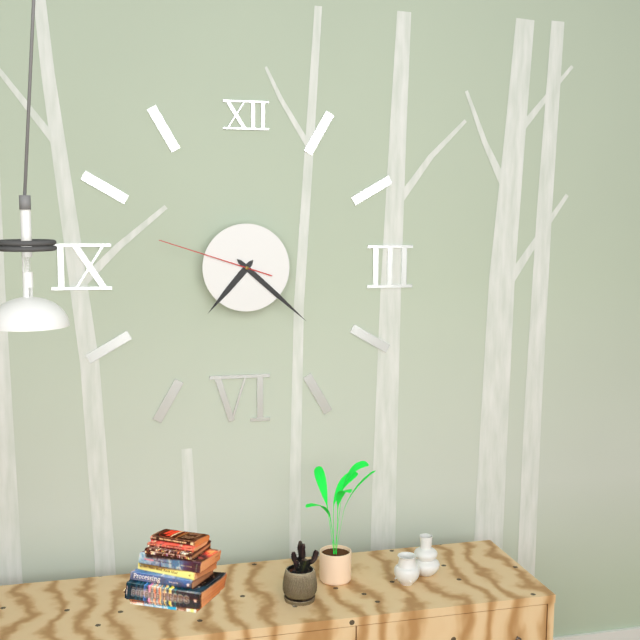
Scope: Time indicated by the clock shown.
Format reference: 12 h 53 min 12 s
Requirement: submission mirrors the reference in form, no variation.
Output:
7 h 22 min 48 s
